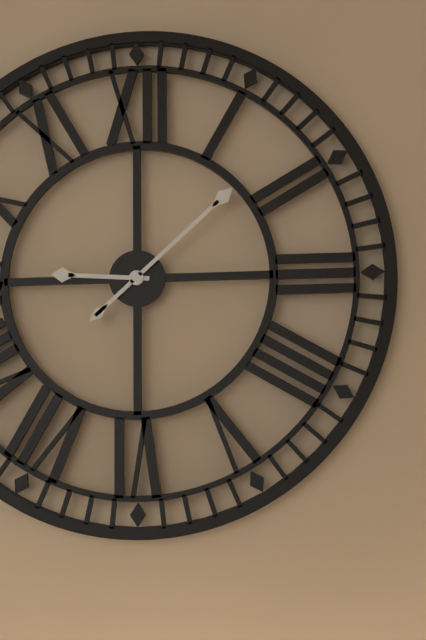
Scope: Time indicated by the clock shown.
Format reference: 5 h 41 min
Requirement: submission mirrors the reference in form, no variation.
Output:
9 h 08 min
